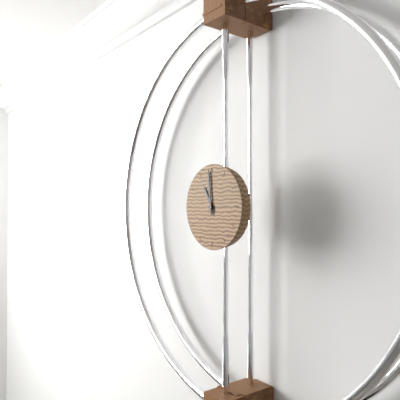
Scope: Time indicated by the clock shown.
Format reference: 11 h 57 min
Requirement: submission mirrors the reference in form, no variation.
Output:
10 h 59 min
